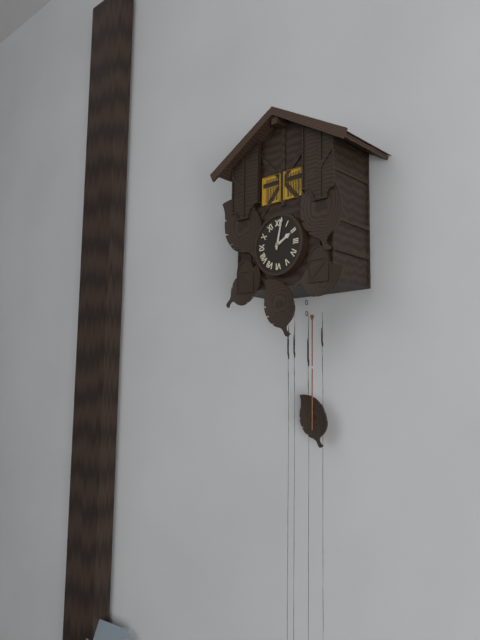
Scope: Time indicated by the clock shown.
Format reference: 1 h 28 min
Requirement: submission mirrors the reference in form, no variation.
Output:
2 h 02 min
